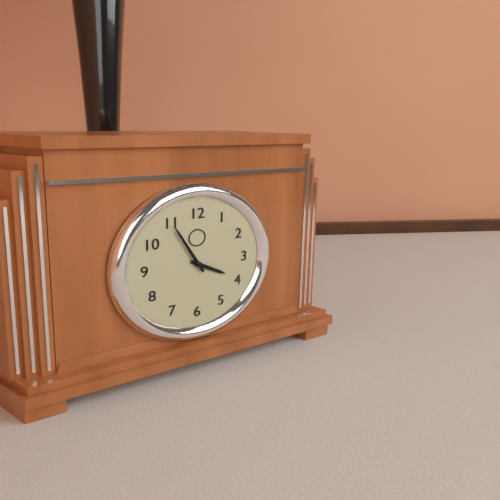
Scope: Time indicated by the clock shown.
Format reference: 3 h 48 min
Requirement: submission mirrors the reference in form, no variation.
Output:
3 h 55 min
